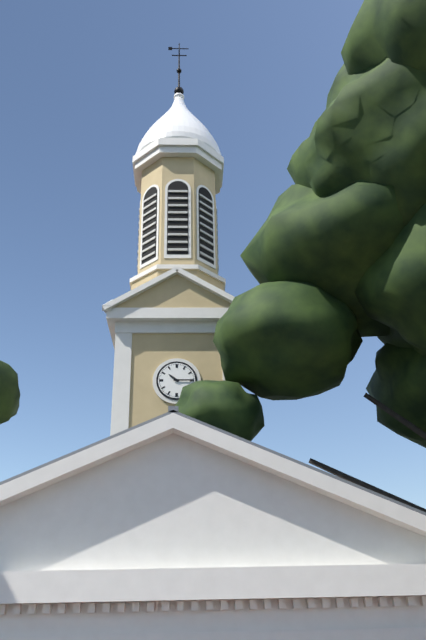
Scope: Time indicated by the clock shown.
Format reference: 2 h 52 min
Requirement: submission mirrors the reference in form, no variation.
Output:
10 h 15 min
